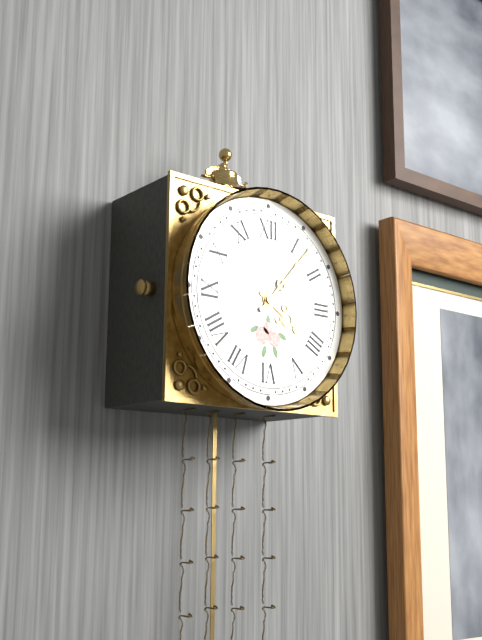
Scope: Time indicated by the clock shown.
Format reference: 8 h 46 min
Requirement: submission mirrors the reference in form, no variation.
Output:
4 h 07 min
